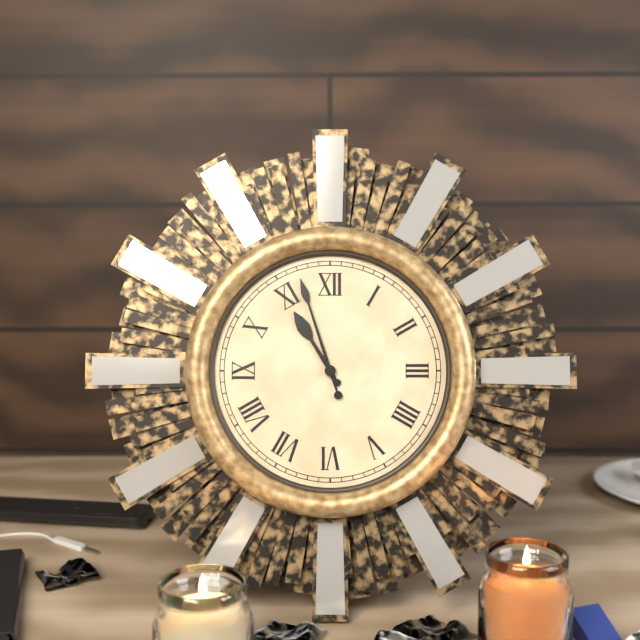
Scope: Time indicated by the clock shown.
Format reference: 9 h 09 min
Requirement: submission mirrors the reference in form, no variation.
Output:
10 h 57 min
